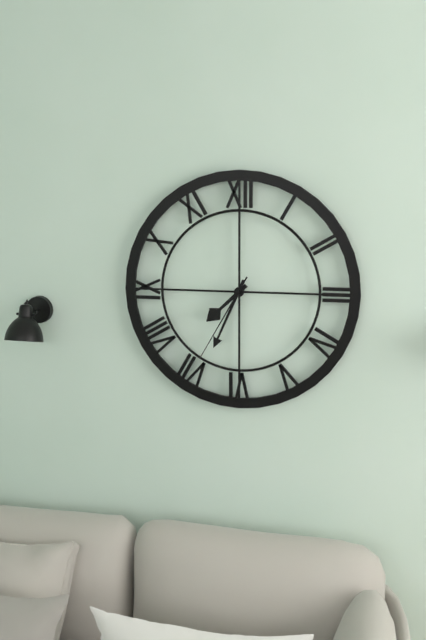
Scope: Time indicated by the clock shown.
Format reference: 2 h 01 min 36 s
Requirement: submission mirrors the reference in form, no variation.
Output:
7 h 34 min 35 s
